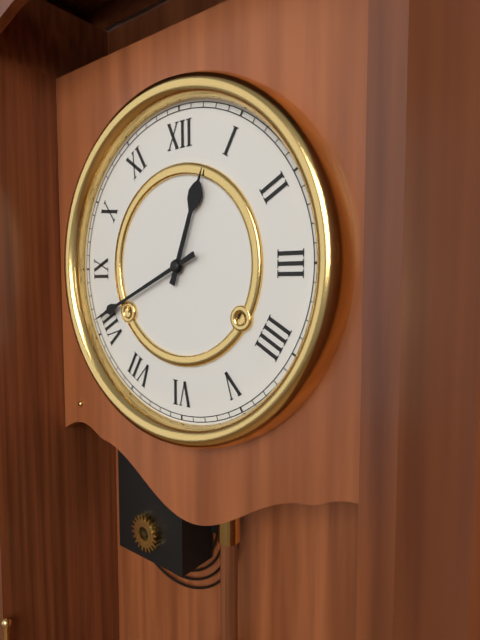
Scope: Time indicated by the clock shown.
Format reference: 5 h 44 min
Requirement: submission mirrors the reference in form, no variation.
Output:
12 h 41 min
